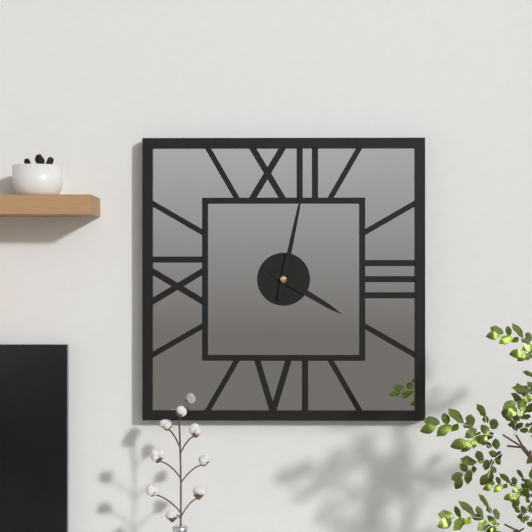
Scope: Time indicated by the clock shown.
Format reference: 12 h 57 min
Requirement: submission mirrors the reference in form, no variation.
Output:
4 h 02 min
